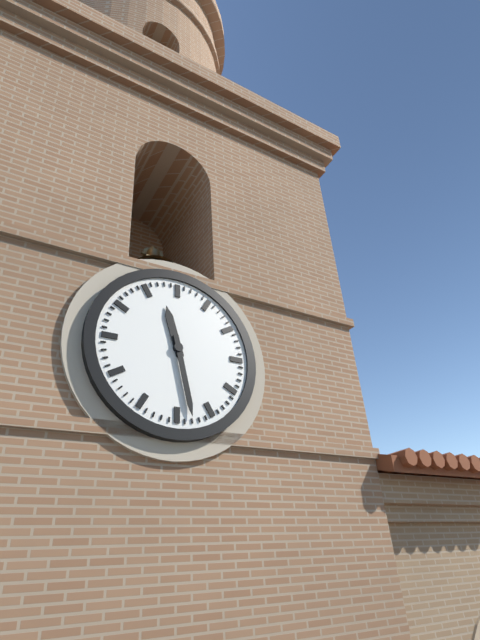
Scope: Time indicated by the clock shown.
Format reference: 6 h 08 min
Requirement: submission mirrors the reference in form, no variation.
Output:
11 h 28 min
